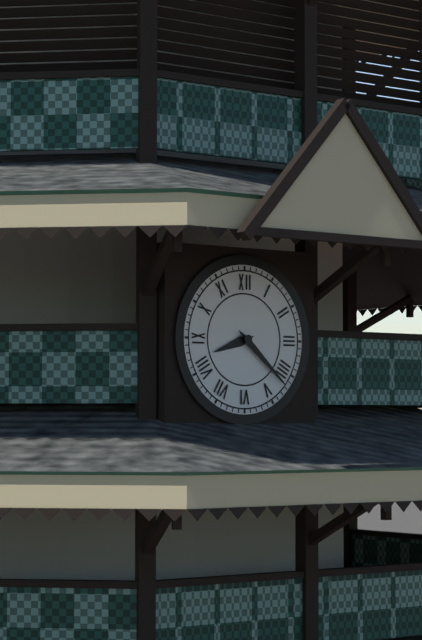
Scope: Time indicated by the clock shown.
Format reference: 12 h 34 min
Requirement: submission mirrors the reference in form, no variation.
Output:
8 h 22 min
